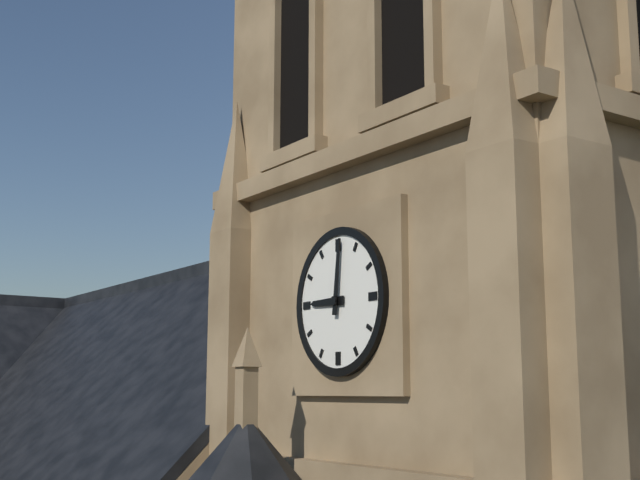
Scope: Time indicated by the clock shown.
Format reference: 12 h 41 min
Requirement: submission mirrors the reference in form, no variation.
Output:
9 h 01 min
